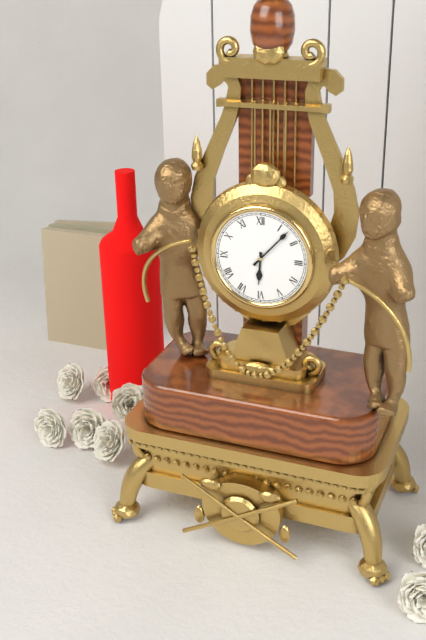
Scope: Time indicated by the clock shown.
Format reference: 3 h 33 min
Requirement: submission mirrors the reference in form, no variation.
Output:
6 h 07 min
